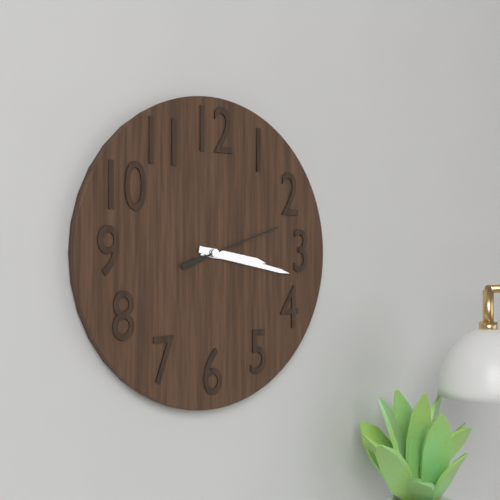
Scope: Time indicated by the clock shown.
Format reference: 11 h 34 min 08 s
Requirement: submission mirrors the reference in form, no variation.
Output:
3 h 17 min 12 s
